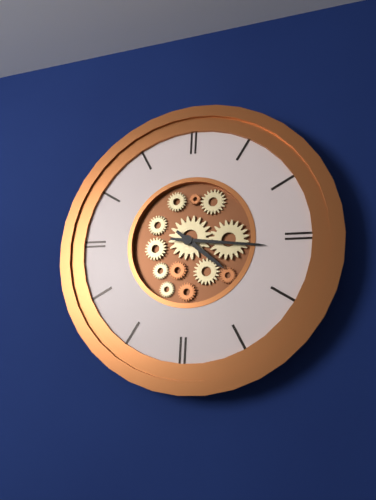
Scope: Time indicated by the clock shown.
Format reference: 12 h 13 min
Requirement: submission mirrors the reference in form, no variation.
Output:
4 h 16 min
